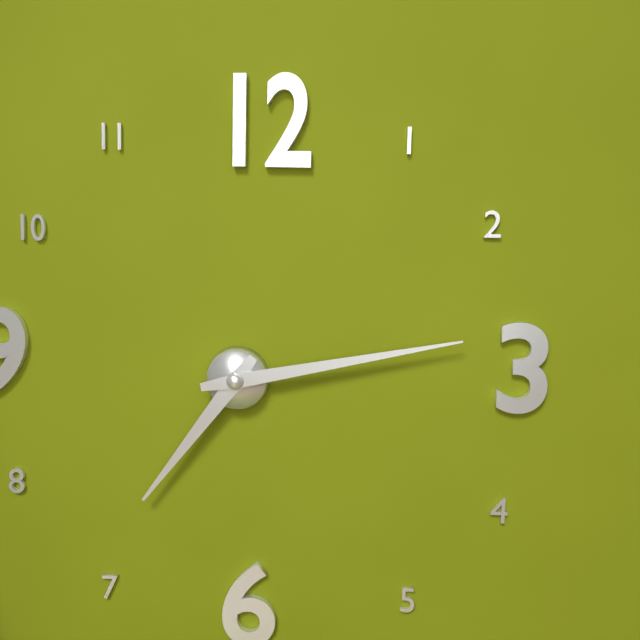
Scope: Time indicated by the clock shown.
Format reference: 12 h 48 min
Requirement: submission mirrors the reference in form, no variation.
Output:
7 h 13 min
